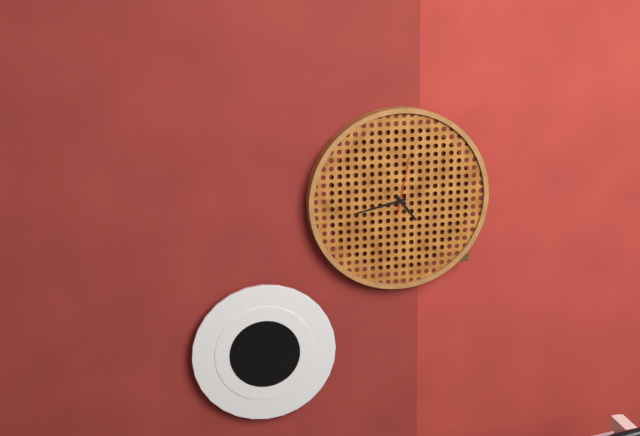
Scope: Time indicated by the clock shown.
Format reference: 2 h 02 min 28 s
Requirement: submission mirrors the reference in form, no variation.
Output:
4 h 43 min 02 s
